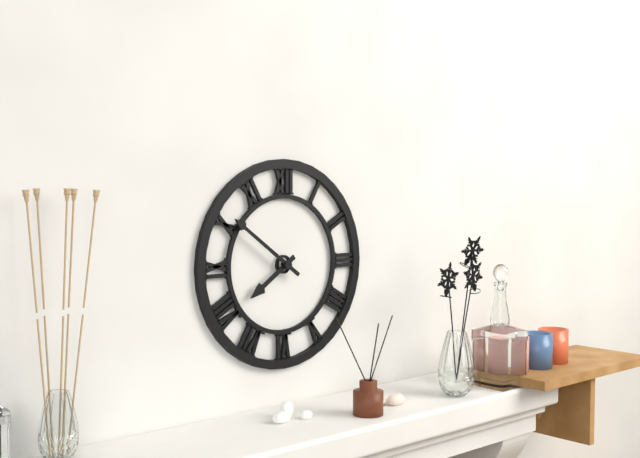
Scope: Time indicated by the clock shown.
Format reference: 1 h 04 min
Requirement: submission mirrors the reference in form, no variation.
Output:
7 h 51 min
